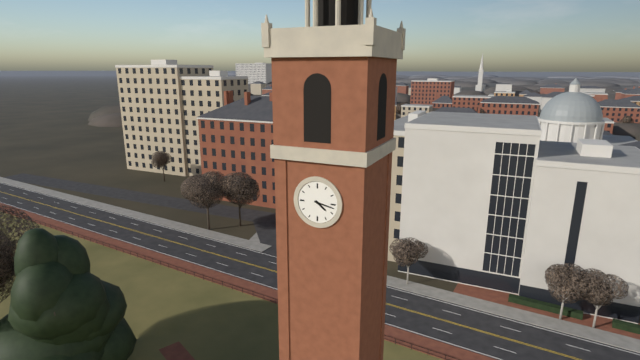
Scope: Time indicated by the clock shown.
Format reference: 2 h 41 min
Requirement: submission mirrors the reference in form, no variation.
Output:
4 h 17 min
